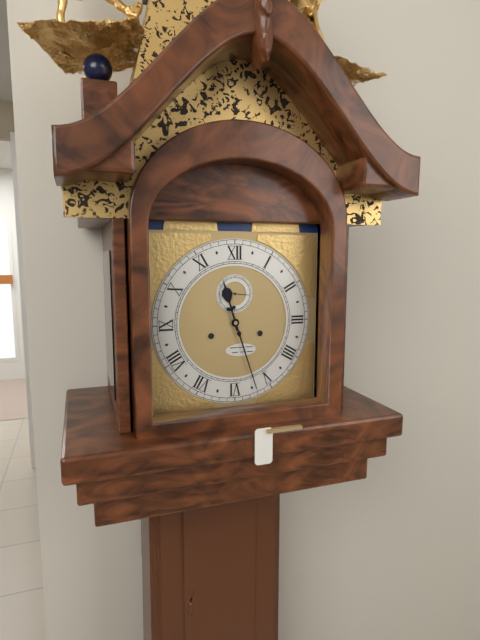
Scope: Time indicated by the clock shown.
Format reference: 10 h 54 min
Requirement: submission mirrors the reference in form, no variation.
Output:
11 h 27 min
